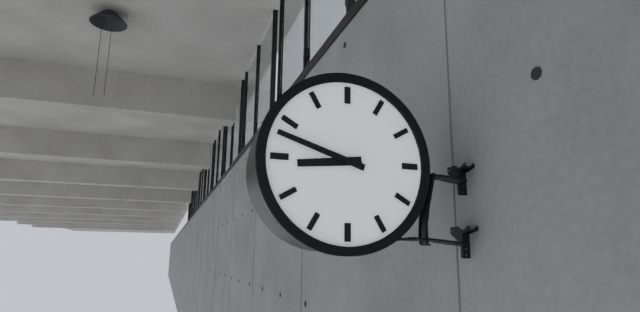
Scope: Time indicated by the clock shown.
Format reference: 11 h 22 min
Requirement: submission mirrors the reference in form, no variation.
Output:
8 h 48 min
